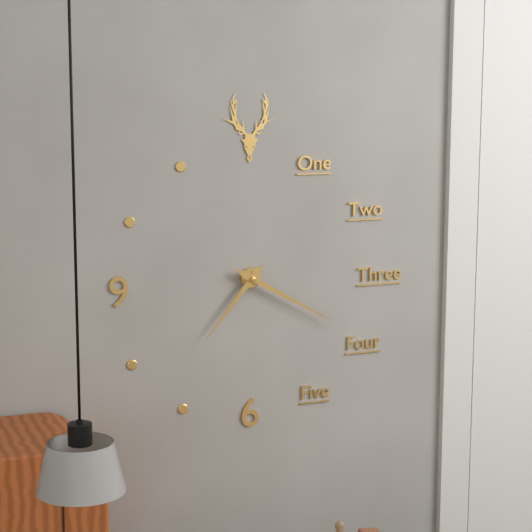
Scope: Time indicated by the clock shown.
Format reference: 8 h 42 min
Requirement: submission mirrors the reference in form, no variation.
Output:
7 h 20 min
